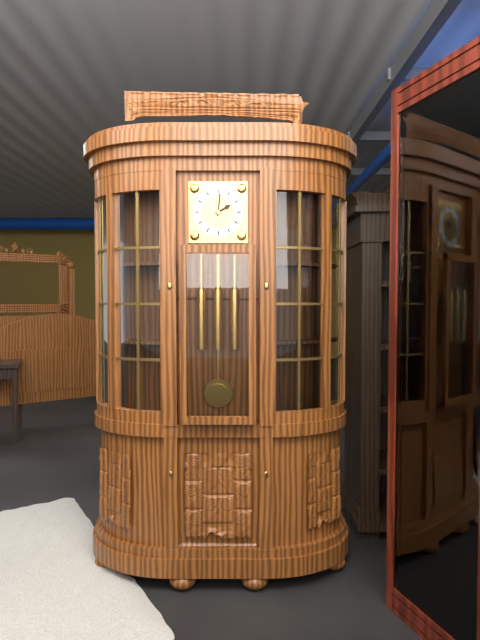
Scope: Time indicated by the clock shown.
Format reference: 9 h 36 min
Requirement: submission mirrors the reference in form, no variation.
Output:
2 h 01 min
